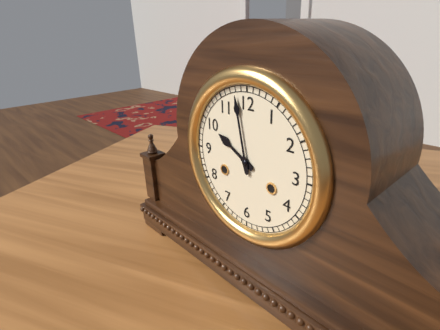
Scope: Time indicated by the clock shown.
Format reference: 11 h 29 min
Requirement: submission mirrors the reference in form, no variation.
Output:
9 h 58 min
